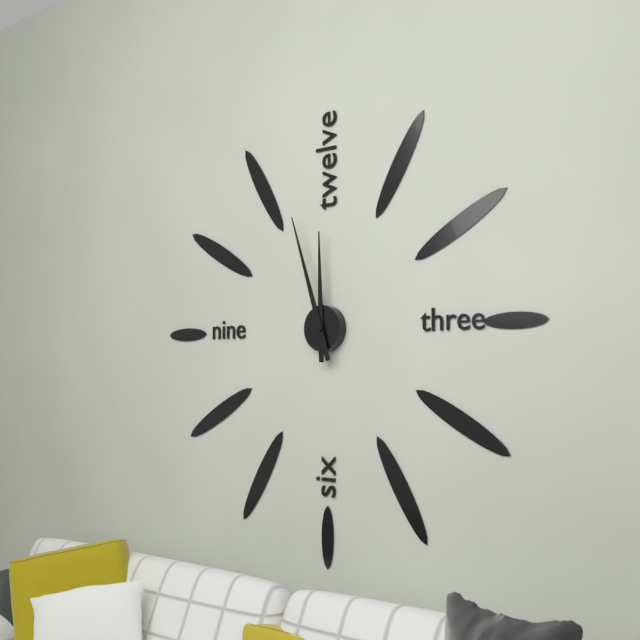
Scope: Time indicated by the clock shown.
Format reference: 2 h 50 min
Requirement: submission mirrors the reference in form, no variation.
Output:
11 h 57 min
